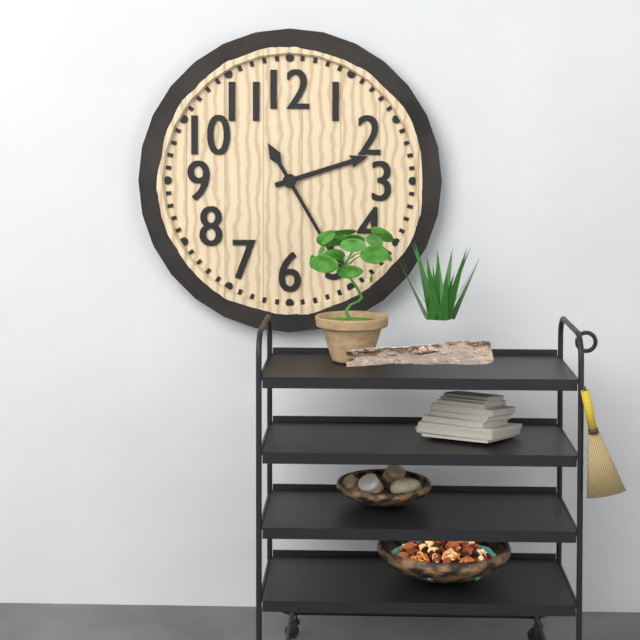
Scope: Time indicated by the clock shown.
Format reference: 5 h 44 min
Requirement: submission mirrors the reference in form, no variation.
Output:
2 h 25 min
